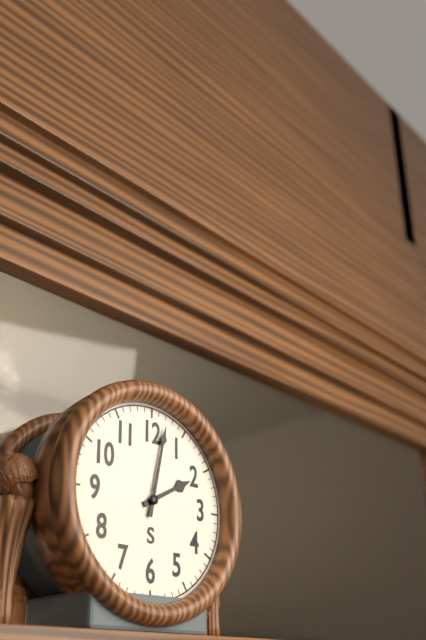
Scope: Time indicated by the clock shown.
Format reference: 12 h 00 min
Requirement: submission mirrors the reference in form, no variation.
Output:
2 h 02 min
